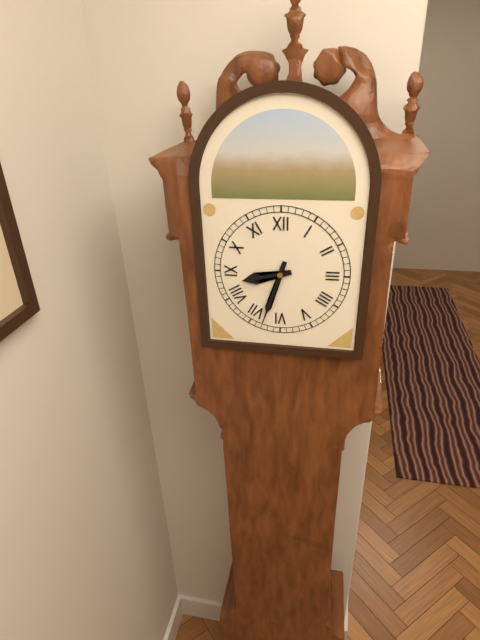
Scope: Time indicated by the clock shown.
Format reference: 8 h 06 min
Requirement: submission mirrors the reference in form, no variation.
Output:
8 h 33 min
